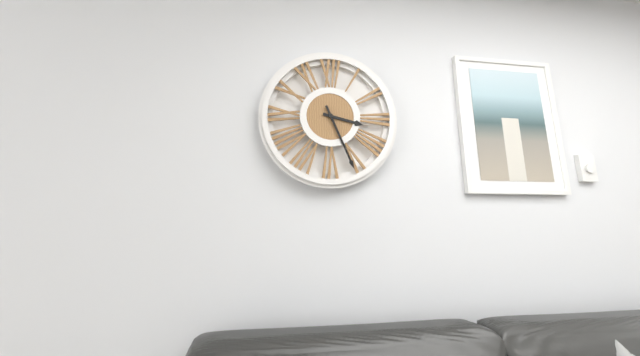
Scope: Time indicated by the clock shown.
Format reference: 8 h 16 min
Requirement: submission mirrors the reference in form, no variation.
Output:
3 h 26 min
